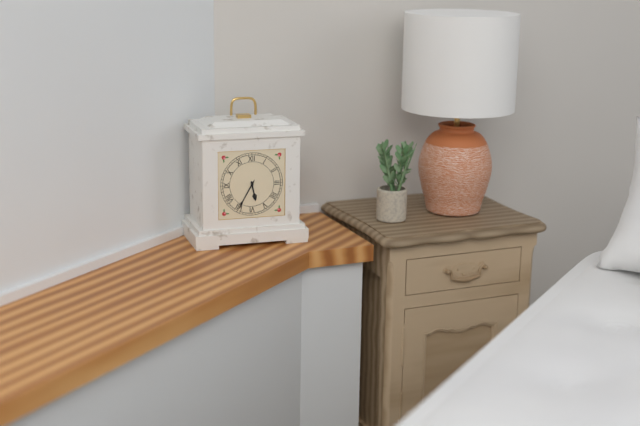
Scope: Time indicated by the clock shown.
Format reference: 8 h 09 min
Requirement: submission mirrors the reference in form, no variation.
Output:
5 h 35 min
